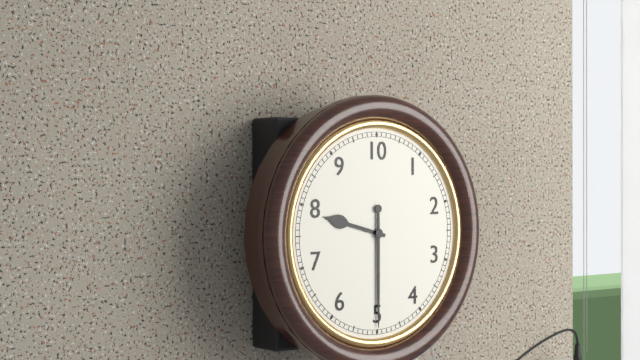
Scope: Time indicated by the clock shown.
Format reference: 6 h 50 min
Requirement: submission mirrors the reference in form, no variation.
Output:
9 h 30 min
